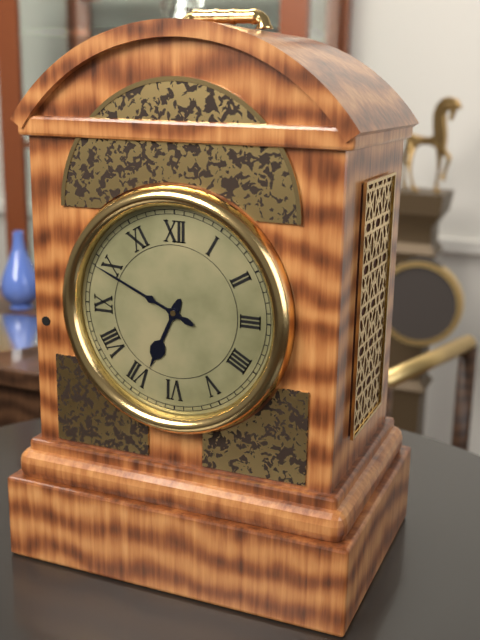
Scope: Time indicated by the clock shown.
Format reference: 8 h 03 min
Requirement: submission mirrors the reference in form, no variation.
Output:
6 h 49 min
